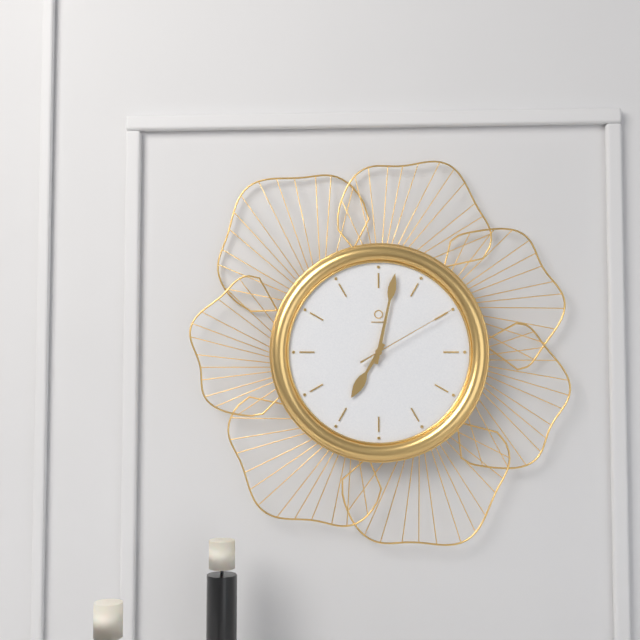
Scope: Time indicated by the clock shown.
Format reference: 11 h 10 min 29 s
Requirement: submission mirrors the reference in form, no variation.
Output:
7 h 02 min 10 s
